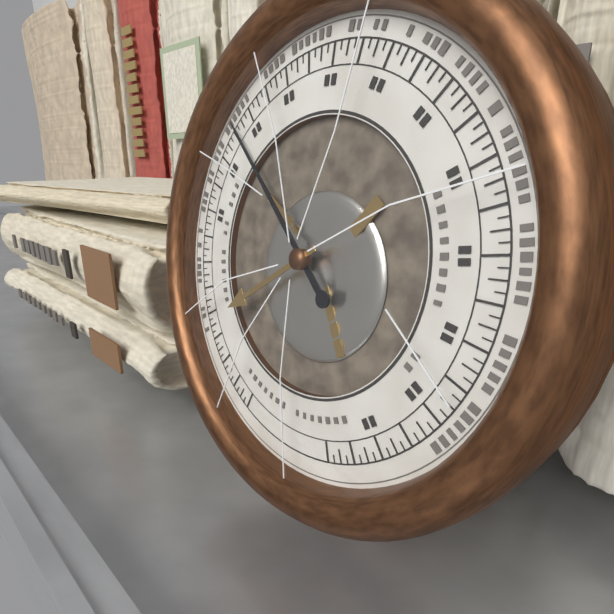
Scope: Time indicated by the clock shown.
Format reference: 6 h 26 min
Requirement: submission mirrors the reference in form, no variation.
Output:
7 h 52 min
